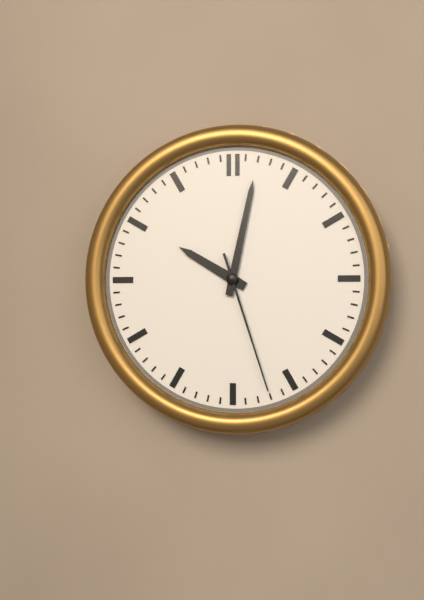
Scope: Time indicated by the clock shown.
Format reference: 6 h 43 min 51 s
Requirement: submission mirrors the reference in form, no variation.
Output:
10 h 02 min 27 s
